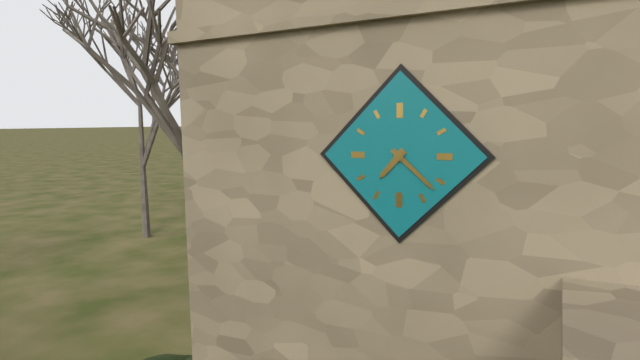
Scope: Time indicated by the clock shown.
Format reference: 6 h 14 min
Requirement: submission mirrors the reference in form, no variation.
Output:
7 h 22 min
